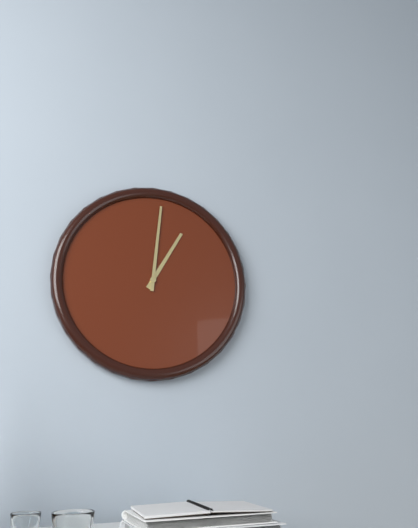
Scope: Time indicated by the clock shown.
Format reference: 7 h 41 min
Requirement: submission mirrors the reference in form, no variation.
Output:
1 h 01 min
